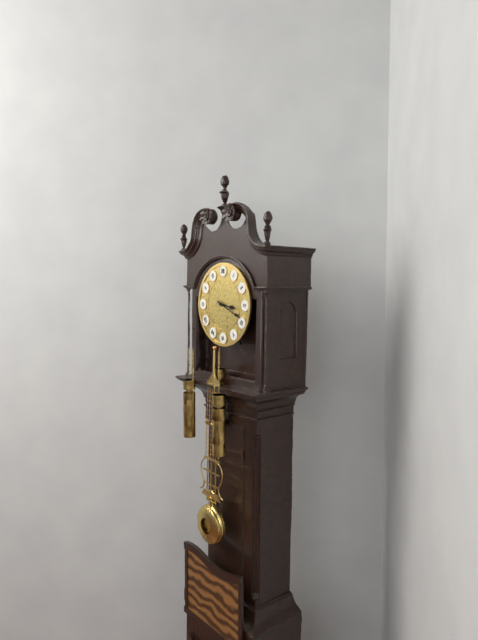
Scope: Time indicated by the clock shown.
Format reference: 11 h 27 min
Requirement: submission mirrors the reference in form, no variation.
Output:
3 h 19 min
